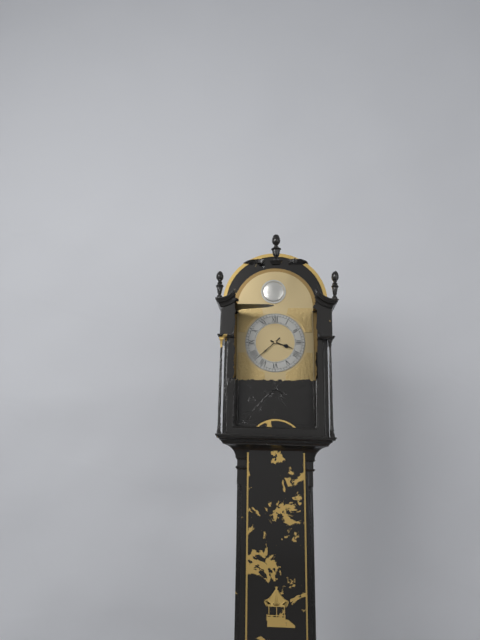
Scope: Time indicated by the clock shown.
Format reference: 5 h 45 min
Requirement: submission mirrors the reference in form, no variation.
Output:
3 h 38 min
